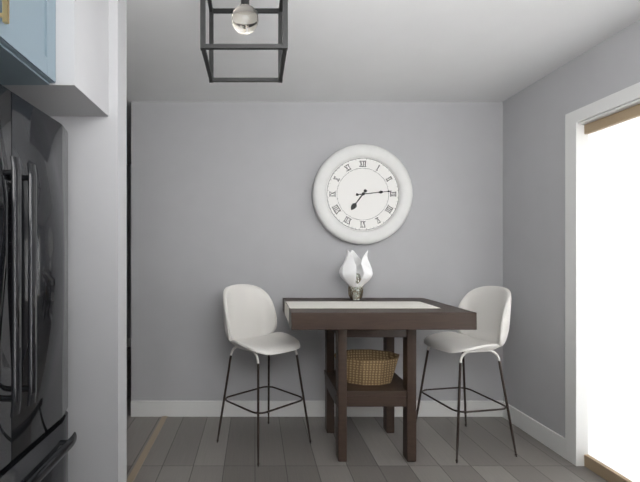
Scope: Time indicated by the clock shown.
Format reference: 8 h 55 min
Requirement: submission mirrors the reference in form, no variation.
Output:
7 h 14 min
